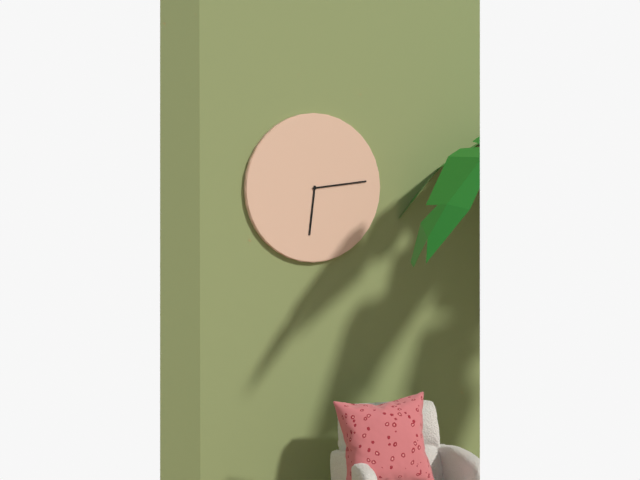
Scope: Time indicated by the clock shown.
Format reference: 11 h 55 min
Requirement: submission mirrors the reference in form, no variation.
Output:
6 h 14 min
